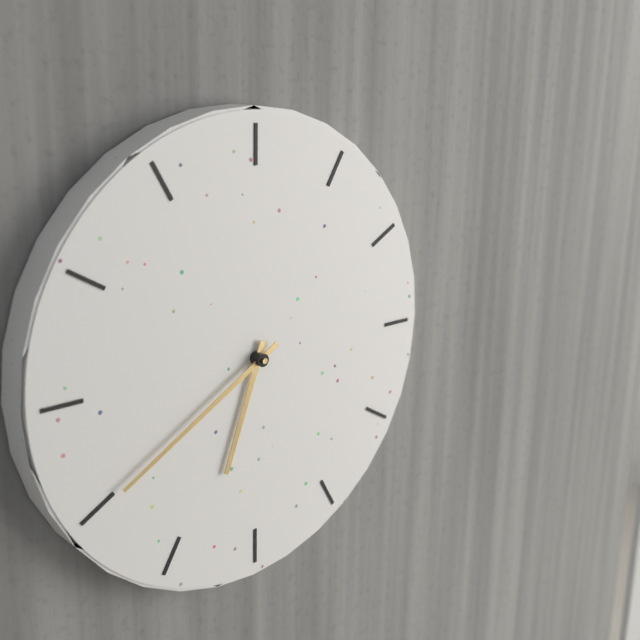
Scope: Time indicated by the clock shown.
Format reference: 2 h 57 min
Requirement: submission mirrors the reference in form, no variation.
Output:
6 h 40 min
